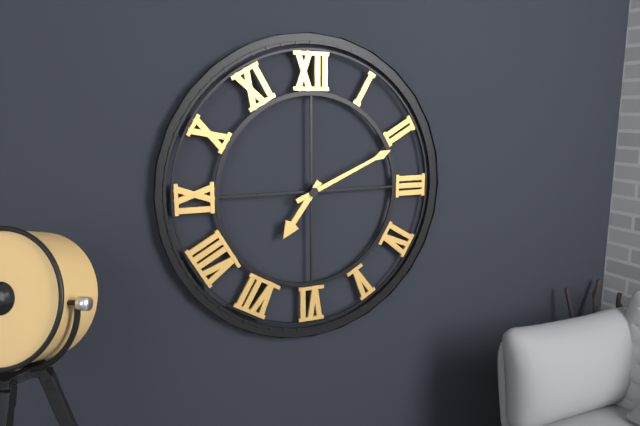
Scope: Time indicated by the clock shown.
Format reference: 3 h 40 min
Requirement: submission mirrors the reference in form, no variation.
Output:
7 h 11 min
